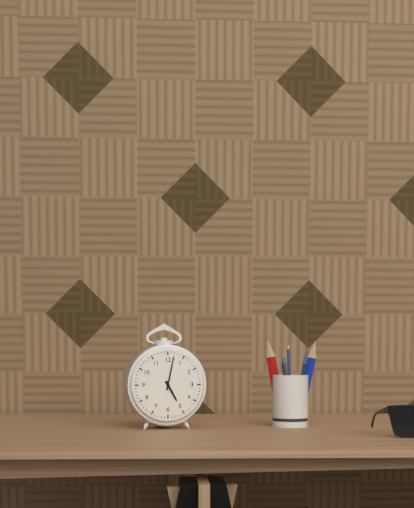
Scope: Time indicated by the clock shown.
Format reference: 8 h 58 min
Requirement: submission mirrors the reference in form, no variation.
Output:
5 h 02 min
